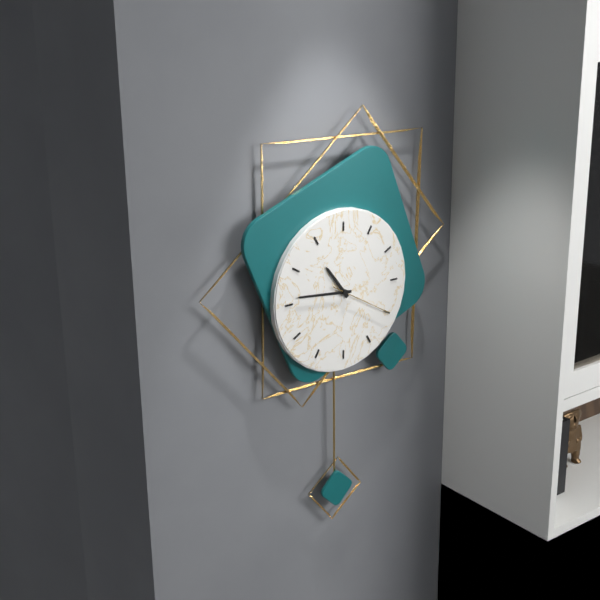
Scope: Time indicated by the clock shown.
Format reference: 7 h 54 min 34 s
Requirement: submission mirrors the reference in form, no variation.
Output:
10 h 46 min 20 s
